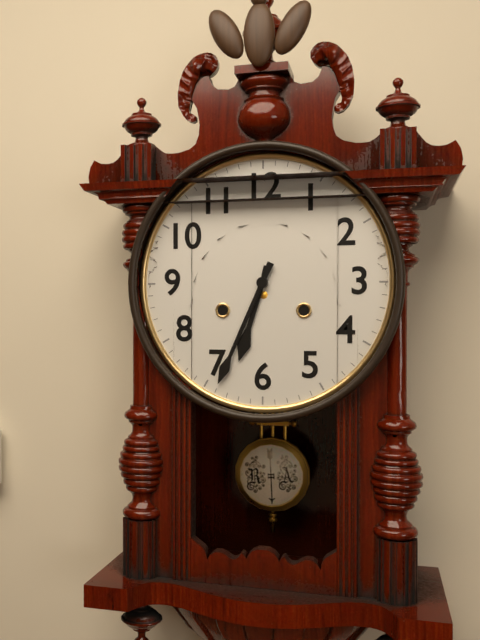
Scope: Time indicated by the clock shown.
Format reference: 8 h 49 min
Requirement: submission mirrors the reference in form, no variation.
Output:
6 h 34 min
